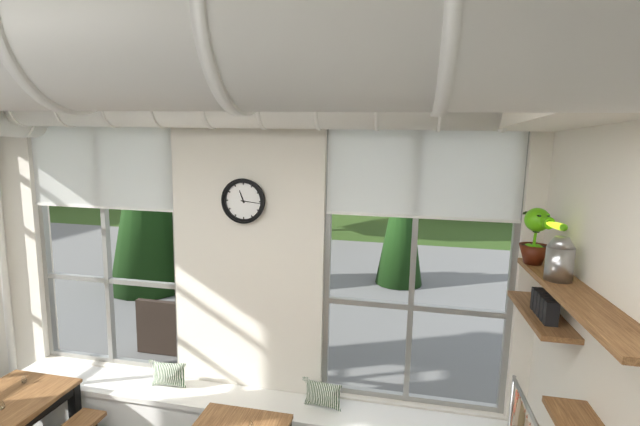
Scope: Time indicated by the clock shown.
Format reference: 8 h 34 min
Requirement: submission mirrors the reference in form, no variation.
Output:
11 h 16 min
